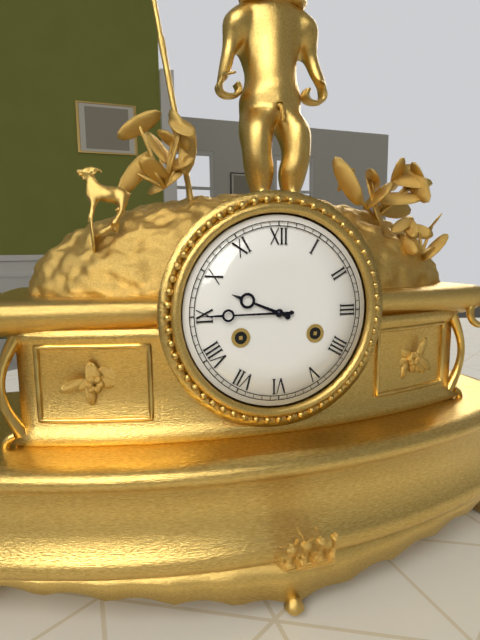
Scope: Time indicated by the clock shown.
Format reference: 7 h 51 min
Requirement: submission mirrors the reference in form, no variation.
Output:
9 h 45 min
